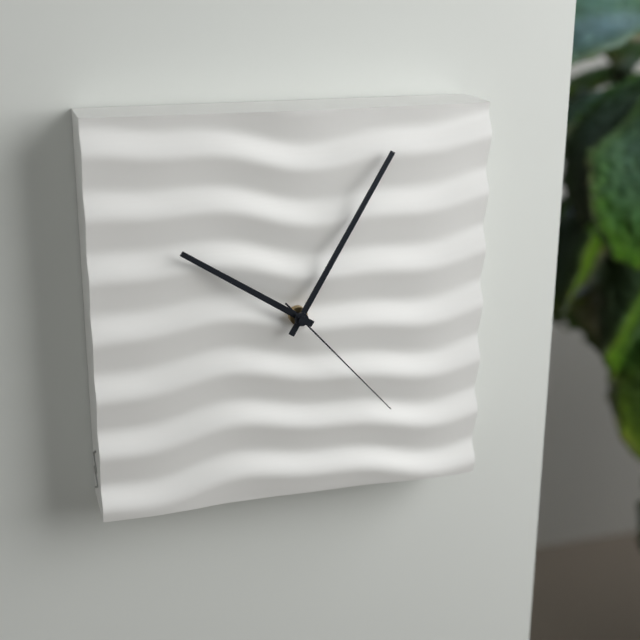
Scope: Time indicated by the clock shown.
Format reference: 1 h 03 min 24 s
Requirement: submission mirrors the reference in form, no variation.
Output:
10 h 05 min 23 s
